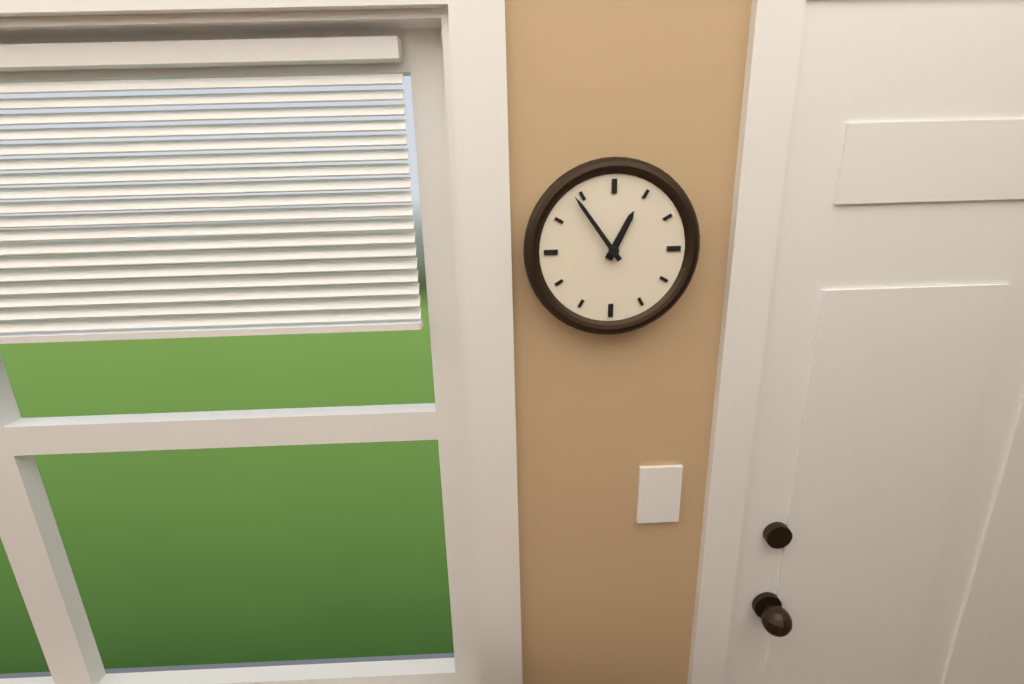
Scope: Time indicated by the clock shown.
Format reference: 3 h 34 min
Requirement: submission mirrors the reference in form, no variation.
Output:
12 h 54 min
